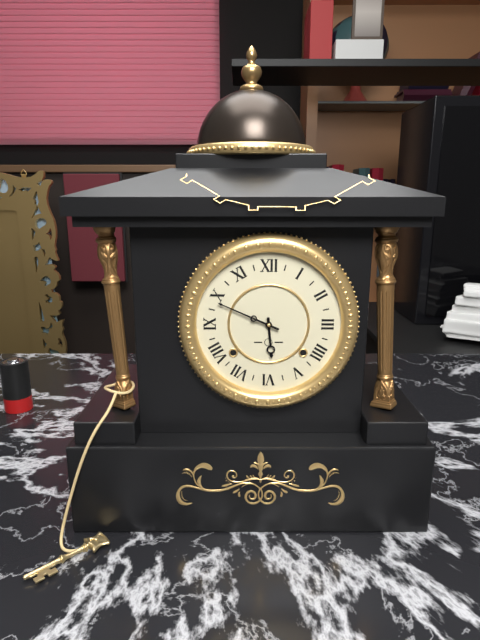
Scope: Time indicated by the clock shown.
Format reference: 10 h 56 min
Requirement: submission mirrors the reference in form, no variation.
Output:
5 h 49 min
